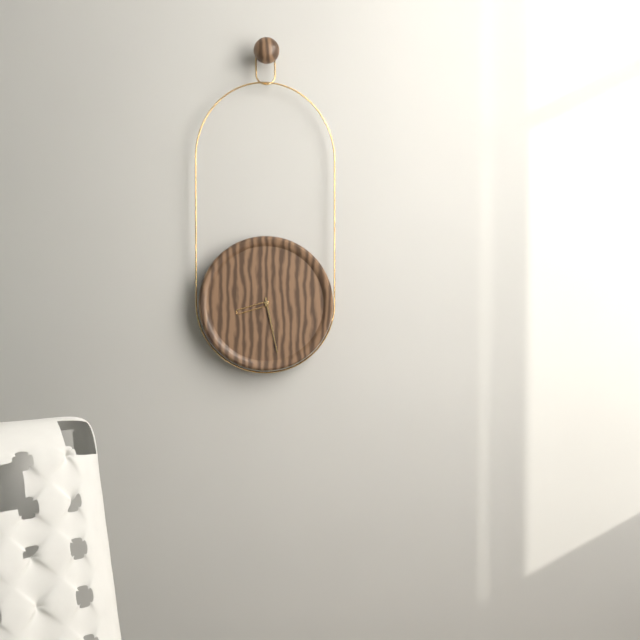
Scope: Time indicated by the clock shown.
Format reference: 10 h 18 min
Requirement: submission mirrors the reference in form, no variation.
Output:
8 h 28 min
